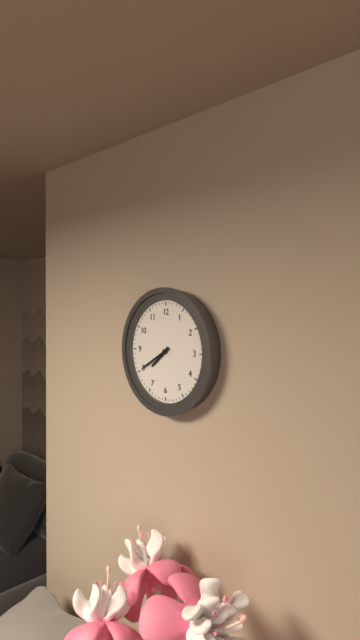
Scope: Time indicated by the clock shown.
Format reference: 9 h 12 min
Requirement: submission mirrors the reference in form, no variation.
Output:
7 h 40 min
